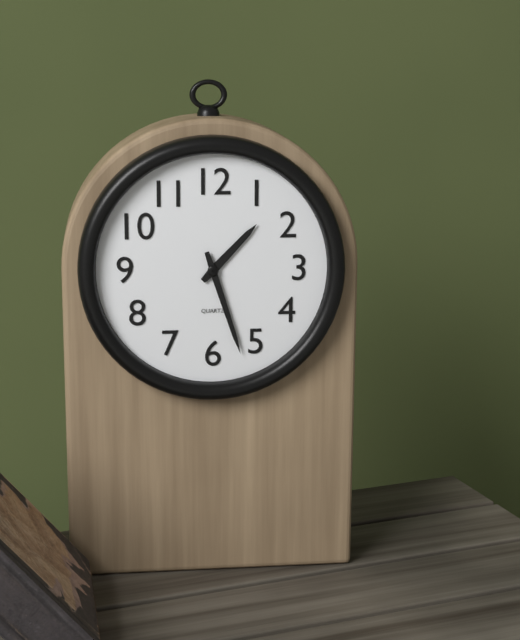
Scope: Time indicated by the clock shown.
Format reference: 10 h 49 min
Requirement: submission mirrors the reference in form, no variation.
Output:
1 h 27 min
